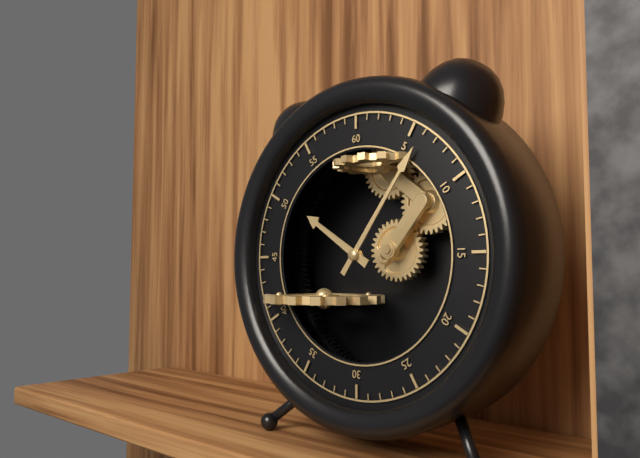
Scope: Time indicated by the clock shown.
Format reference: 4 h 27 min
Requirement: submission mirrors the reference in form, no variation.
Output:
10 h 06 min
